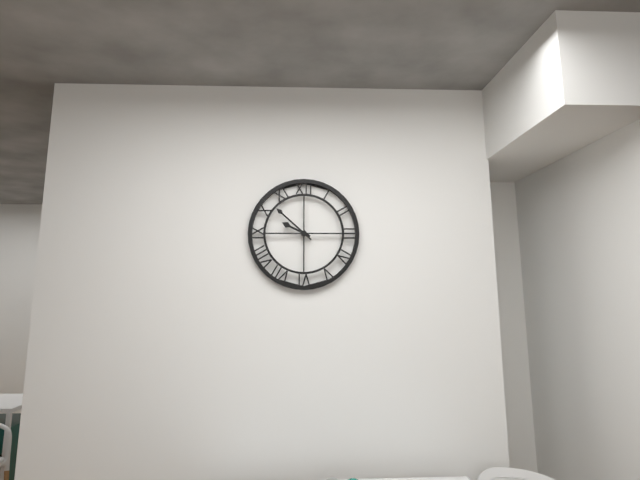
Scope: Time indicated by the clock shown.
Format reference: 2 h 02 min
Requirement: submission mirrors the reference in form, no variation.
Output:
9 h 52 min
